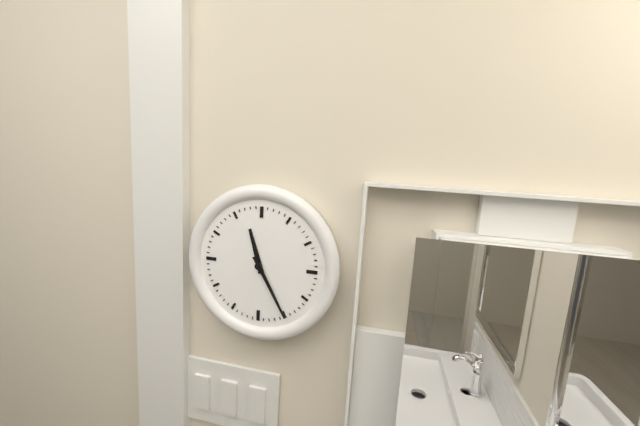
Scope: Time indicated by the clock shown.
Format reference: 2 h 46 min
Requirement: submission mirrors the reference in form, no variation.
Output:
11 h 25 min
